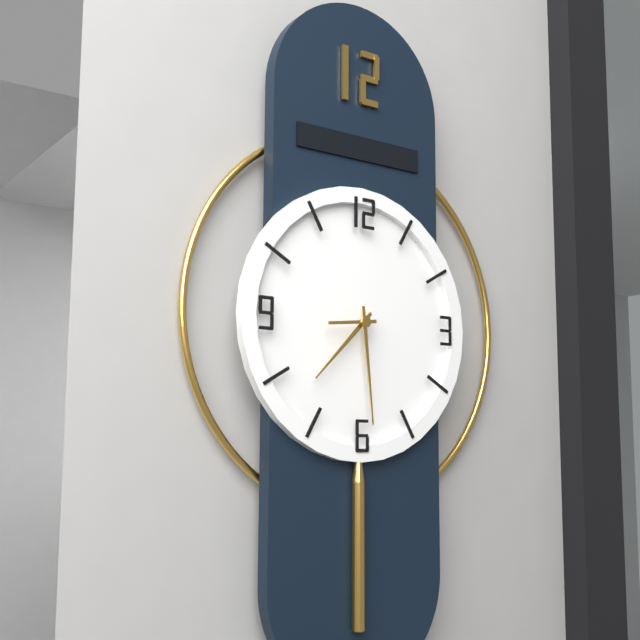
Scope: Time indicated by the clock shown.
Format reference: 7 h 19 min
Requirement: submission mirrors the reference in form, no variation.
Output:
7 h 29 min
